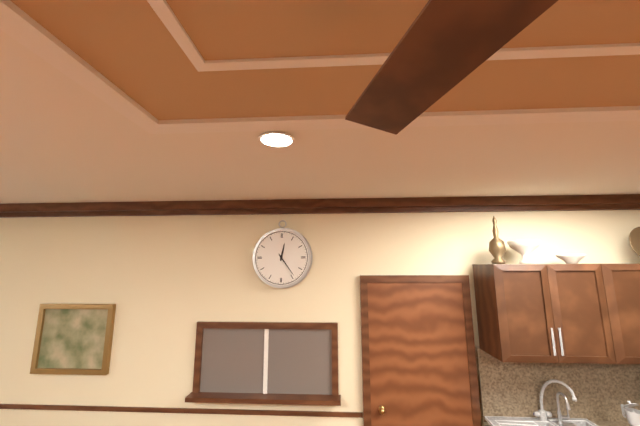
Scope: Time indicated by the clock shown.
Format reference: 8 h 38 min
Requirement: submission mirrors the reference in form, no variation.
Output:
12 h 24 min
